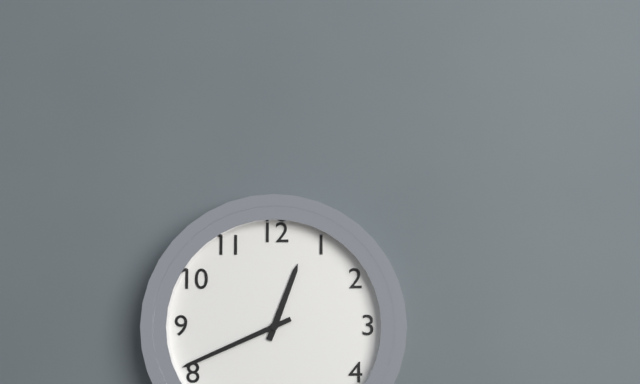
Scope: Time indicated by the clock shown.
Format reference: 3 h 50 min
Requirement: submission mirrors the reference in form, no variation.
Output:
12 h 41 min
